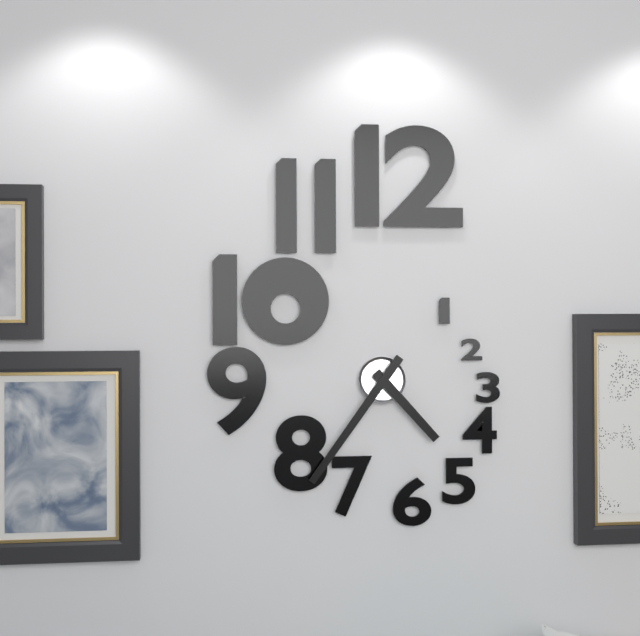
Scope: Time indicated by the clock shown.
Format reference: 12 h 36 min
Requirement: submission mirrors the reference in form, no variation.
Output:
4 h 36 min
